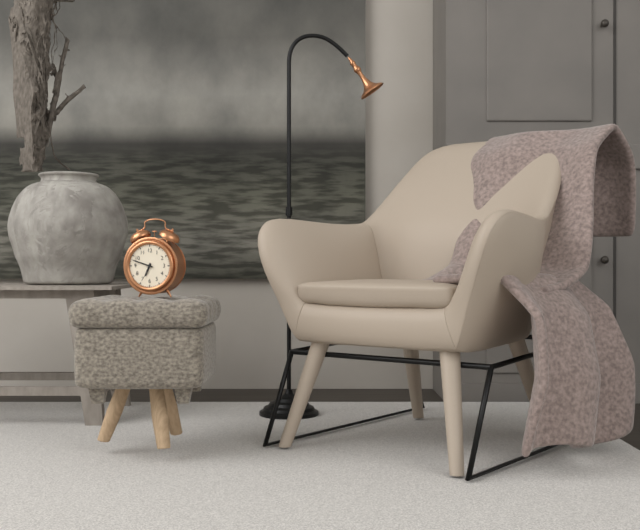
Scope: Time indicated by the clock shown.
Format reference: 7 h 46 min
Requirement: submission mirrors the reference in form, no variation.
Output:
6 h 48 min
